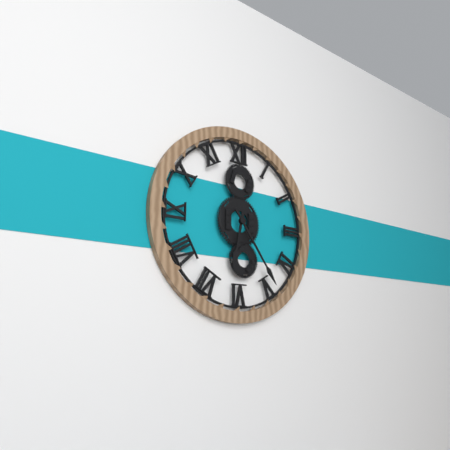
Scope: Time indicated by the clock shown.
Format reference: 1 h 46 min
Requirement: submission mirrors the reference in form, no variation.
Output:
6 h 24 min
